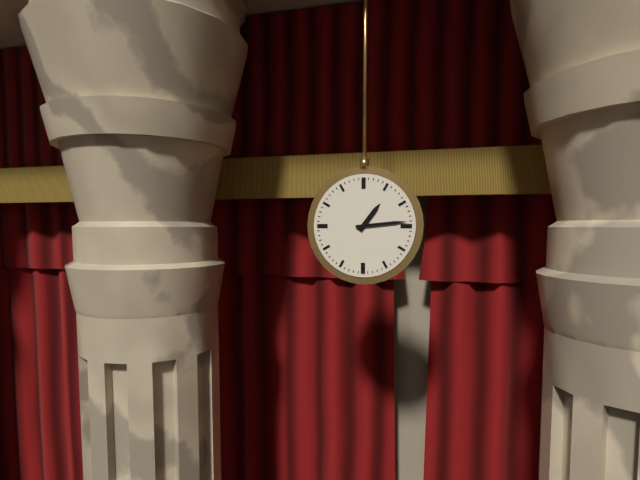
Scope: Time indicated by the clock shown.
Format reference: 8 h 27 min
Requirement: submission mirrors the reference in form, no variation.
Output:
1 h 14 min
